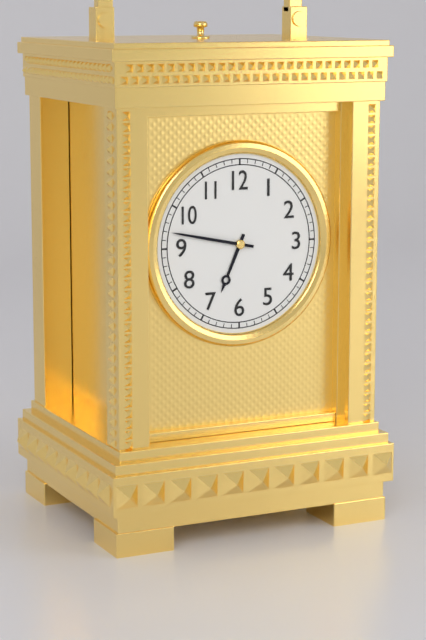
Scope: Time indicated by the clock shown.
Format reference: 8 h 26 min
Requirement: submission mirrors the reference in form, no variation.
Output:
6 h 47 min
